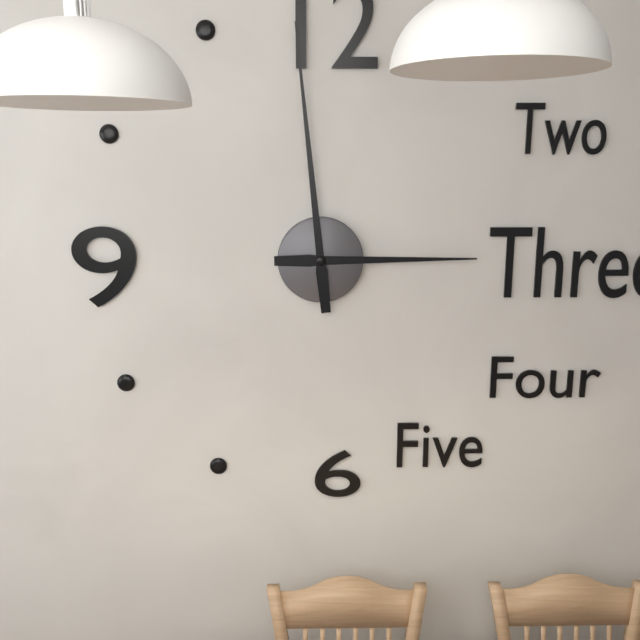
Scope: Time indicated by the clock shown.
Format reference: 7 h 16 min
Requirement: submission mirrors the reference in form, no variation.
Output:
2 h 59 min
